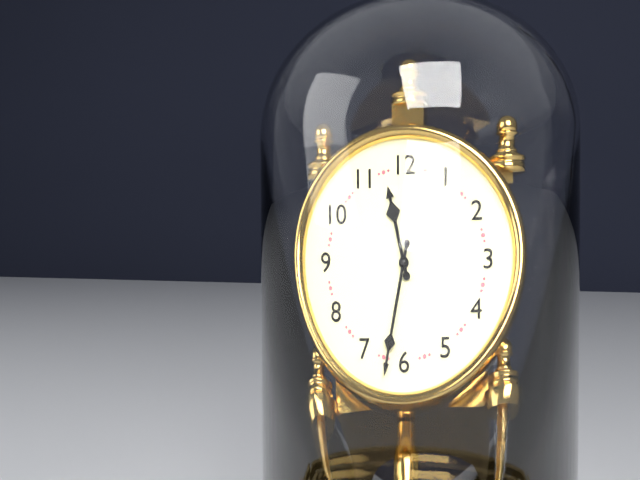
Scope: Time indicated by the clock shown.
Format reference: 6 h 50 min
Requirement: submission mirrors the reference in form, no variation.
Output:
11 h 32 min
